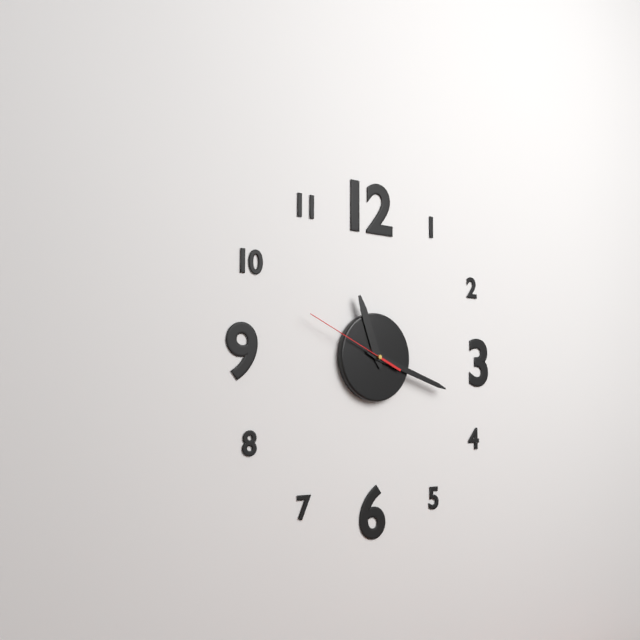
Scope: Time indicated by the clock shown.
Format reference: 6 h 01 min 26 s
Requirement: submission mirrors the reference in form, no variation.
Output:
11 h 18 min 49 s
